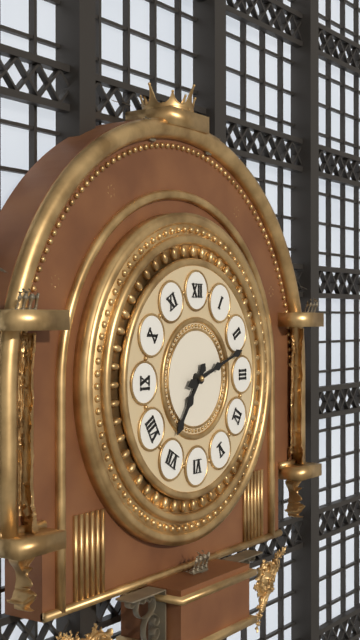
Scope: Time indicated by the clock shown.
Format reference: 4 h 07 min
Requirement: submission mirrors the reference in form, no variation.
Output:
7 h 12 min
